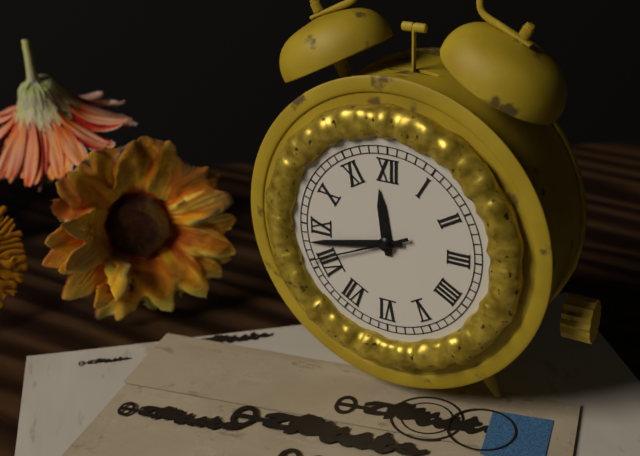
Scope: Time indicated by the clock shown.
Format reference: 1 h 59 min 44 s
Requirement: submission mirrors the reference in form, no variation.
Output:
11 h 43 min 41 s
